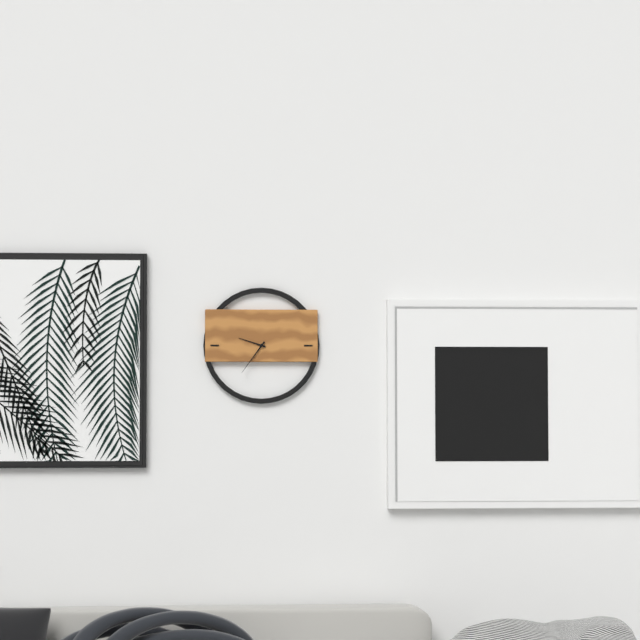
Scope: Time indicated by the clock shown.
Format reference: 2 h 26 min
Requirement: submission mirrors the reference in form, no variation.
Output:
9 h 36 min
